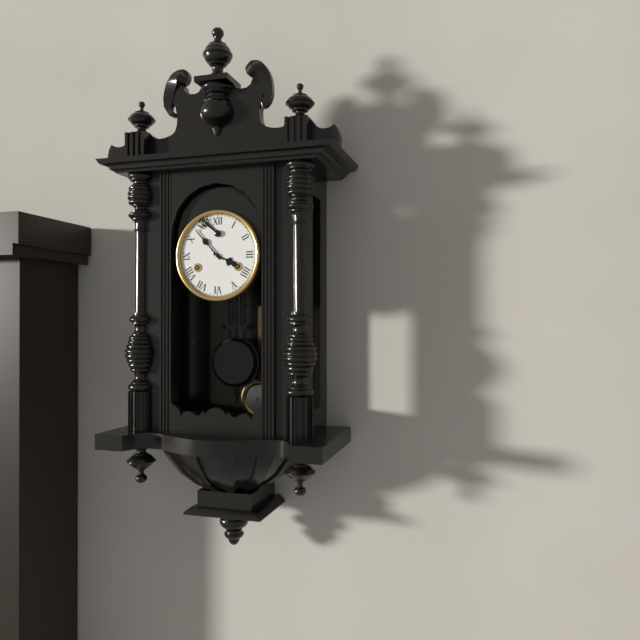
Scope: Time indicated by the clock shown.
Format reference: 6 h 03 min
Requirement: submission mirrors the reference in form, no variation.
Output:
3 h 53 min
